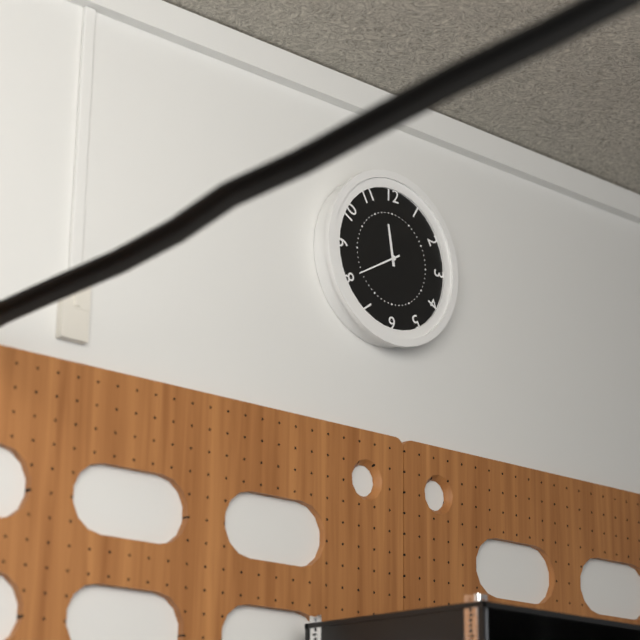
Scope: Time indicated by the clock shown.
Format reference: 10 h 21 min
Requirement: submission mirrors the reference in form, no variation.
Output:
11 h 40 min
